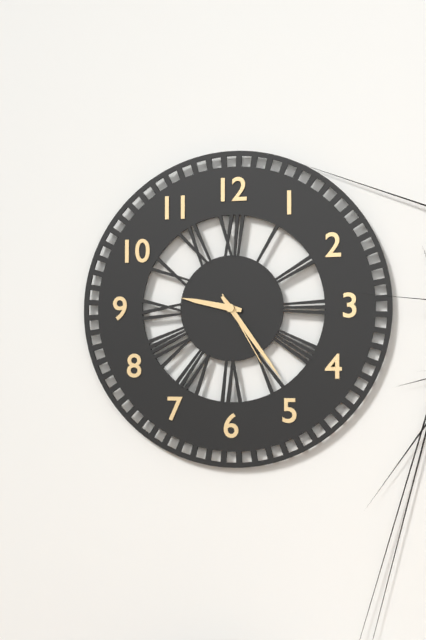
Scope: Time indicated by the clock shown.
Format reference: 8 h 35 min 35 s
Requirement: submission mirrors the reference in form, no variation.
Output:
9 h 24 min 25 s
